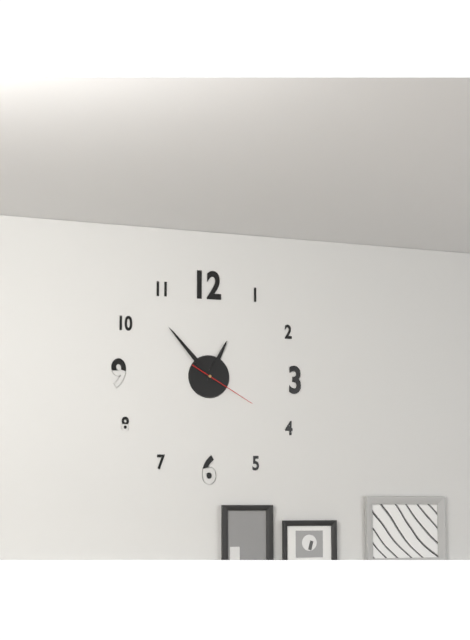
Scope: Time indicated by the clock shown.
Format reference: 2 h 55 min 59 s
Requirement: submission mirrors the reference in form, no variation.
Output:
12 h 53 min 20 s
